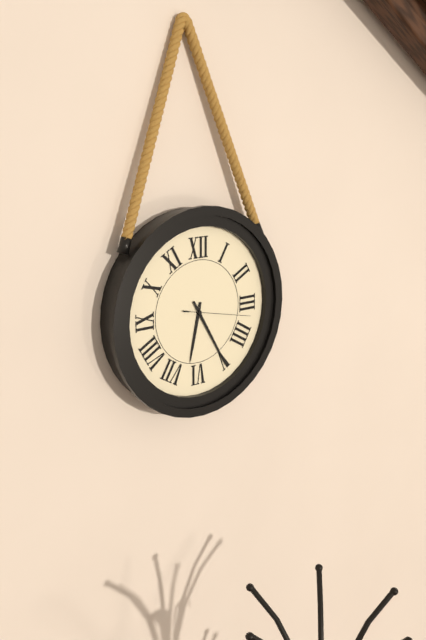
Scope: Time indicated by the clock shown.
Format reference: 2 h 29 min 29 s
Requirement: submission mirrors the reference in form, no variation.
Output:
6 h 25 min 17 s
